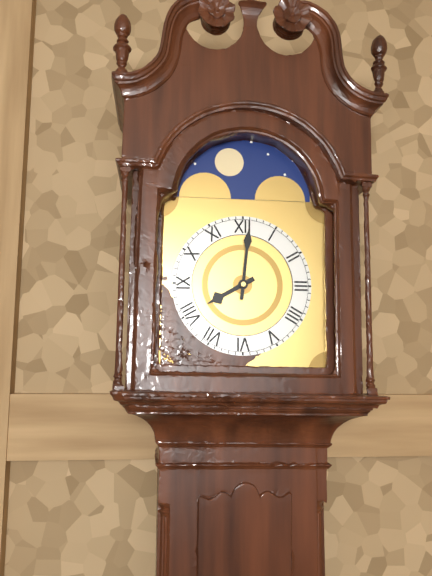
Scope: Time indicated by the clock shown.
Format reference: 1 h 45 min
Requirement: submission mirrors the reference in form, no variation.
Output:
8 h 01 min
